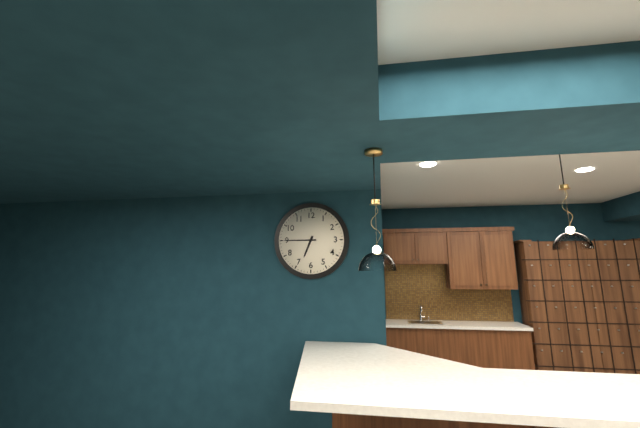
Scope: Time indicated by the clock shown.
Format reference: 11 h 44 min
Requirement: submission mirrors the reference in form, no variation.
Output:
6 h 45 min
